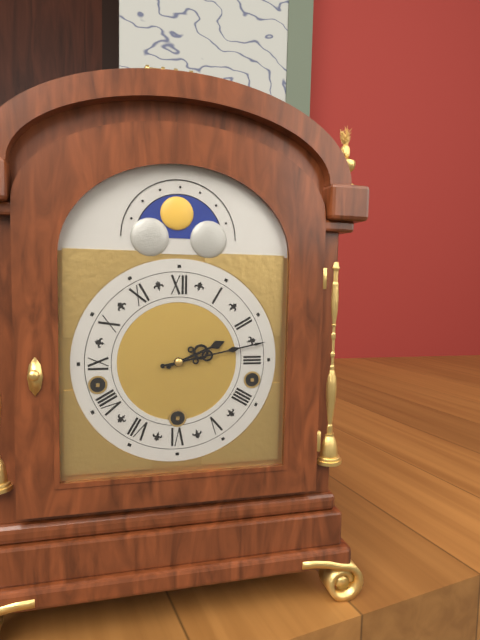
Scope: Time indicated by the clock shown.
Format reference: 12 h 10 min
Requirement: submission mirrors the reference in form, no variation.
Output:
2 h 13 min
